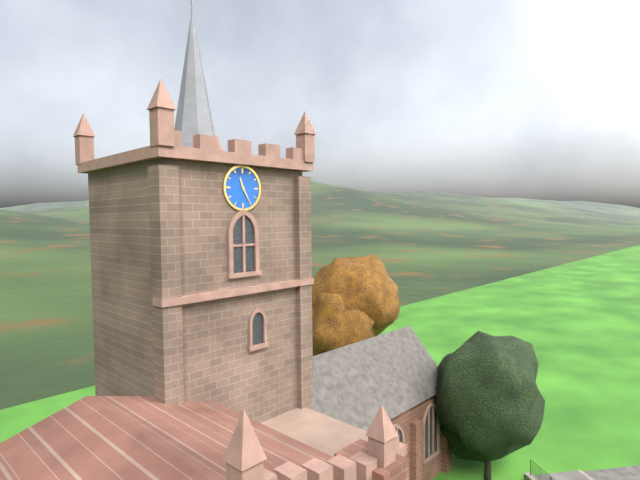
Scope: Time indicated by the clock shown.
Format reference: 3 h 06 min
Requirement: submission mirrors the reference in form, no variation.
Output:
11 h 25 min
